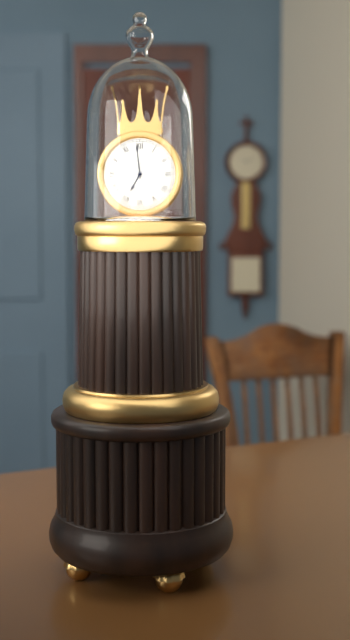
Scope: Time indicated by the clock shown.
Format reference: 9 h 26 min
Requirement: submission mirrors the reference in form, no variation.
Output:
6 h 59 min
